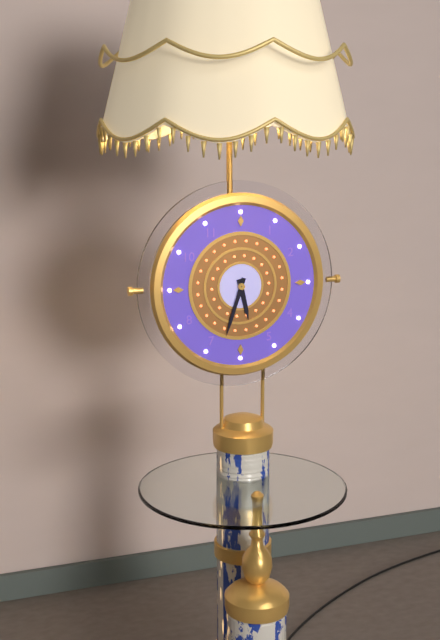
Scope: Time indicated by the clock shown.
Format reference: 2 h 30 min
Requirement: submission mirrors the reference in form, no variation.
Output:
5 h 33 min
